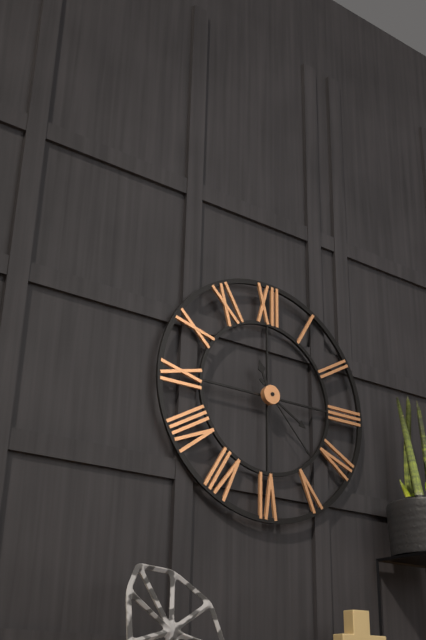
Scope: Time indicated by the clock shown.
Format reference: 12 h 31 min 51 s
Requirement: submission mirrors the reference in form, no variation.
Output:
11 h 20 min 23 s
